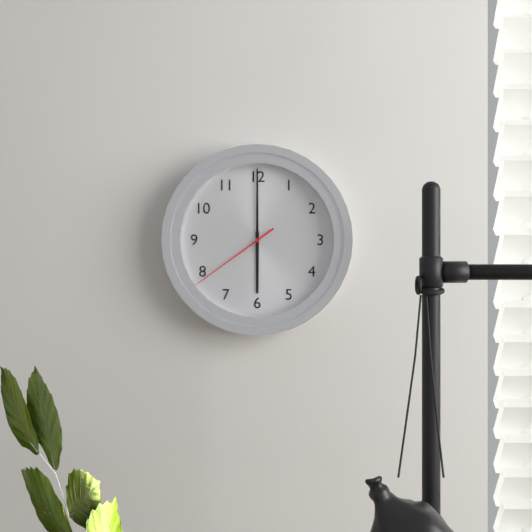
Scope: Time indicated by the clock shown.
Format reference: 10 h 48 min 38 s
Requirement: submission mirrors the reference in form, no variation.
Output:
6 h 00 min 39 s
